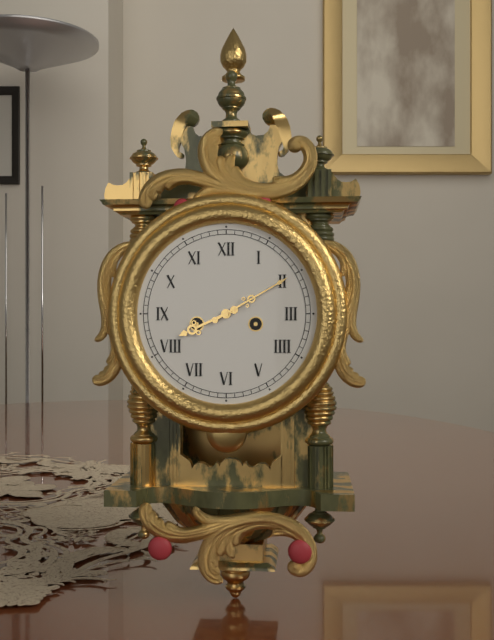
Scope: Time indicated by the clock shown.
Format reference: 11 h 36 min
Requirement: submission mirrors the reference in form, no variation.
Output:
8 h 10 min
